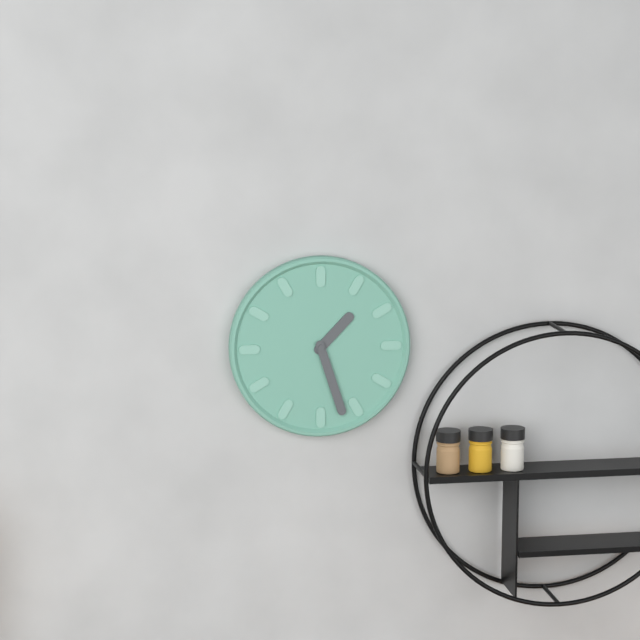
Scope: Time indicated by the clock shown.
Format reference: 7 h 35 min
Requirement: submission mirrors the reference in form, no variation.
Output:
1 h 27 min
